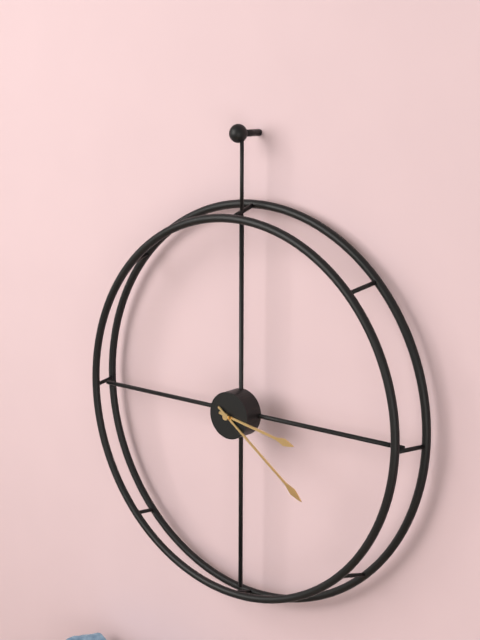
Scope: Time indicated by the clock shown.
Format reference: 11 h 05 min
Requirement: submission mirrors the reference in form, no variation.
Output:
3 h 21 min
